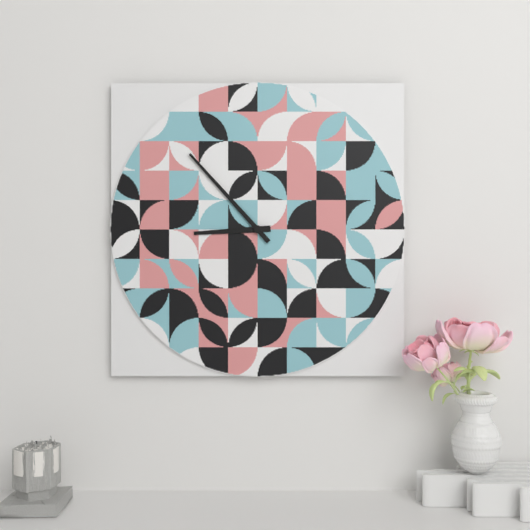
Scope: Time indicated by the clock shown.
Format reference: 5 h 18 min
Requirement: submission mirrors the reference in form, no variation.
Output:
8 h 53 min
